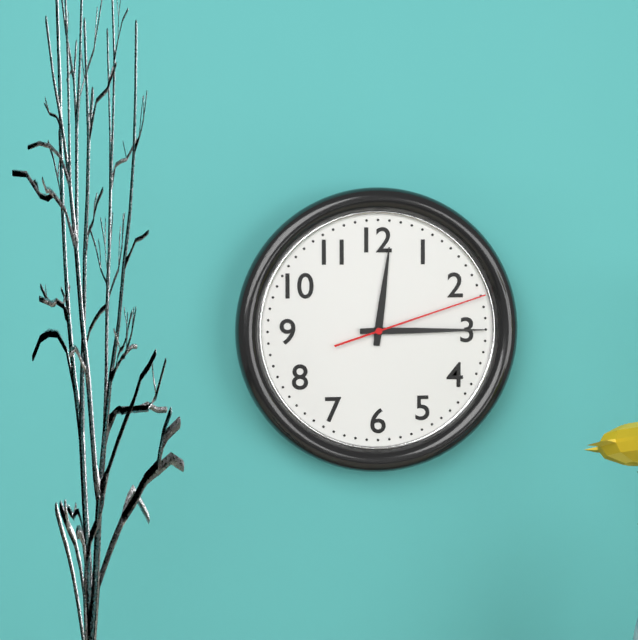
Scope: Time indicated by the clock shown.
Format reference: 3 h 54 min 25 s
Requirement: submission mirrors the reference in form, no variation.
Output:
12 h 15 min 12 s
